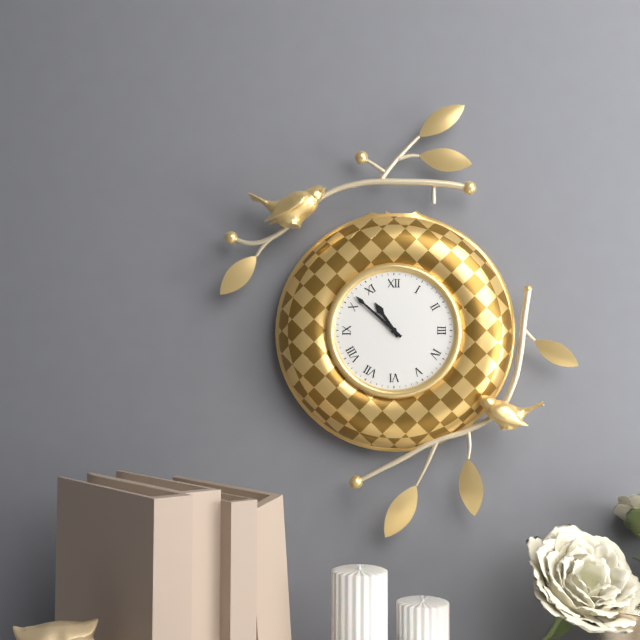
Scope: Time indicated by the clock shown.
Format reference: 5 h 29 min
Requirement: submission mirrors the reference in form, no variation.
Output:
10 h 52 min
